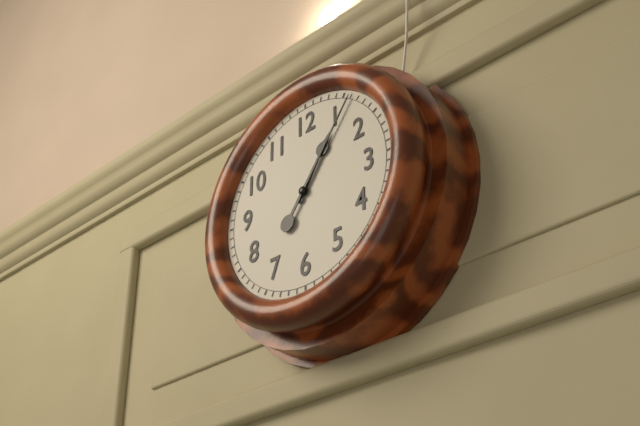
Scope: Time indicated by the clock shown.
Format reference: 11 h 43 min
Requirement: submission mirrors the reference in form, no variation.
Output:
1 h 06 min
